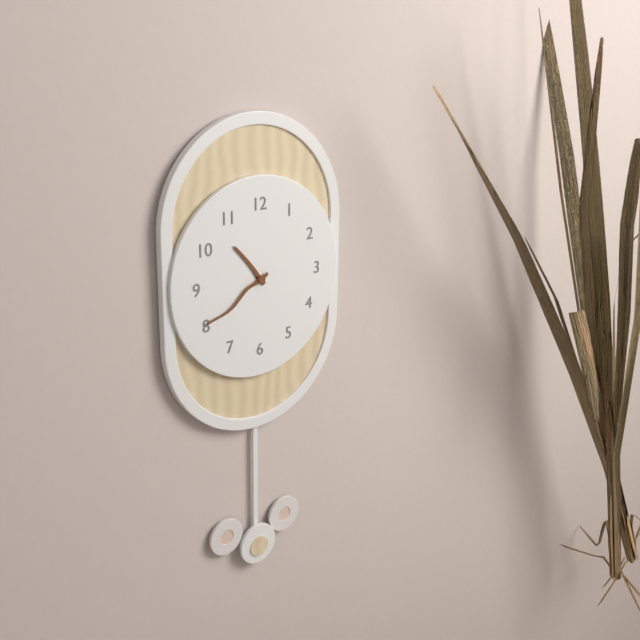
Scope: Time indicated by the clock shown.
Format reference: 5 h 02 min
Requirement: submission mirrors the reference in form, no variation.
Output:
10 h 40 min
